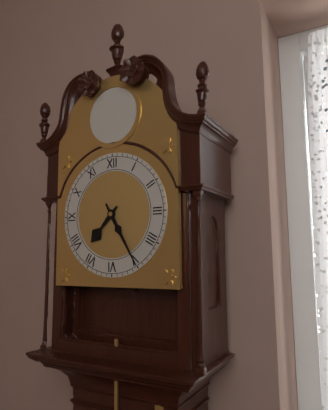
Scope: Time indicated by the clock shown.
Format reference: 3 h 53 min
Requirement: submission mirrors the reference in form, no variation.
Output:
7 h 25 min
